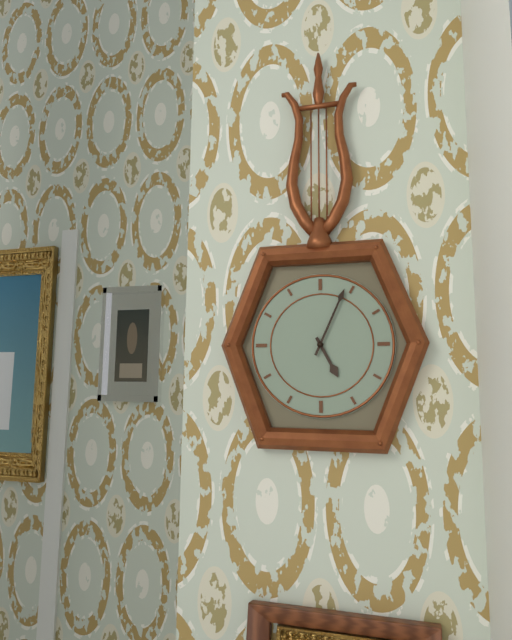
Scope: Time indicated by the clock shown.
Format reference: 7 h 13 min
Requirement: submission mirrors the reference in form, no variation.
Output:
5 h 04 min
